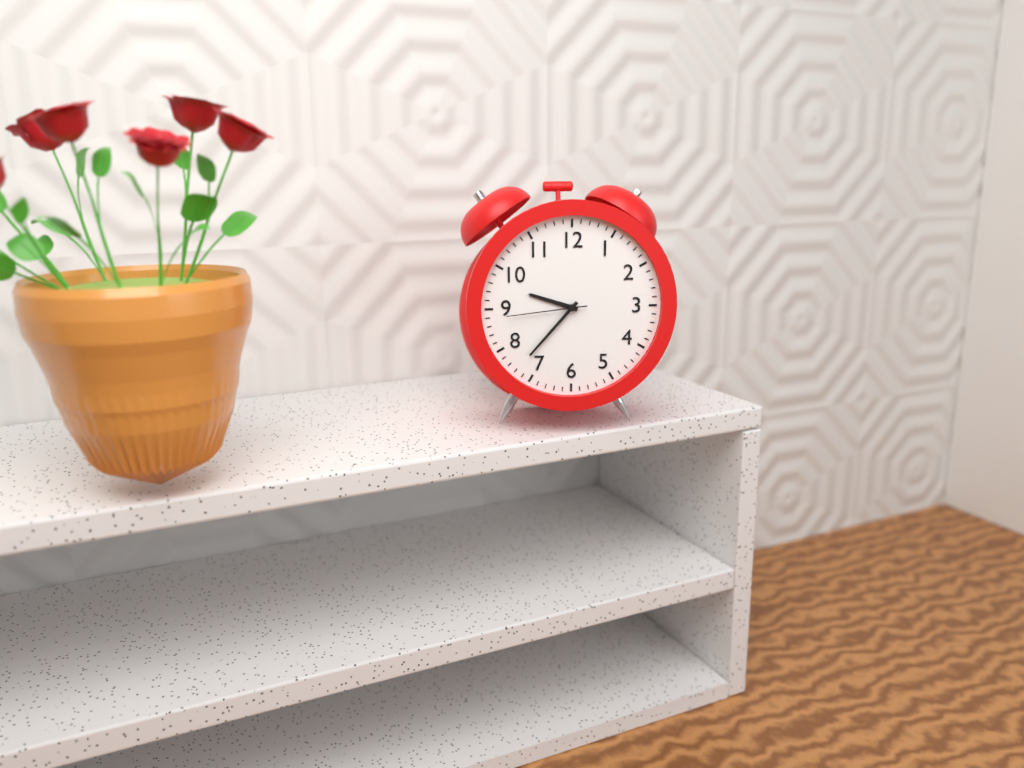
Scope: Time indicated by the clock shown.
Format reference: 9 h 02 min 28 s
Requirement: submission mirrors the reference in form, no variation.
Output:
9 h 37 min 44 s
